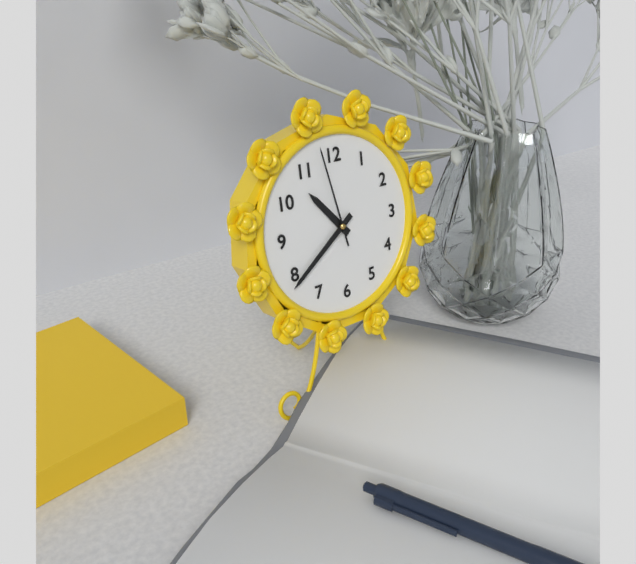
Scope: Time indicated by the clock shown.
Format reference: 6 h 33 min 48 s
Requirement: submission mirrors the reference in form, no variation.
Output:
10 h 39 min 58 s
